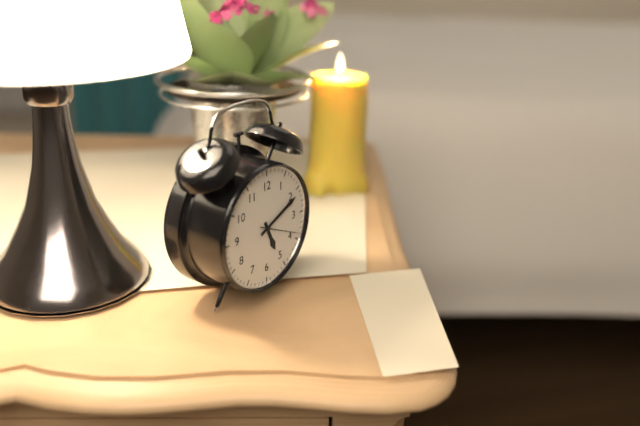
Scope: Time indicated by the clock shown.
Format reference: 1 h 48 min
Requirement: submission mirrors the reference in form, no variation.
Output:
5 h 11 min
